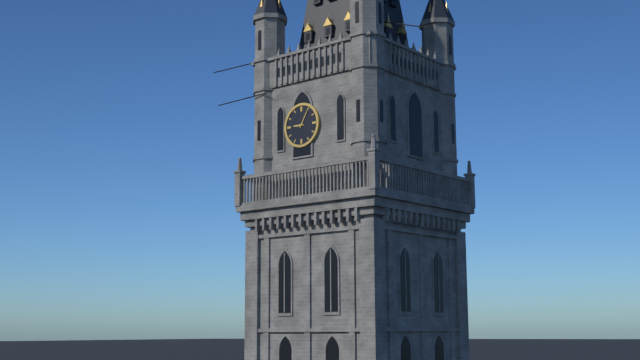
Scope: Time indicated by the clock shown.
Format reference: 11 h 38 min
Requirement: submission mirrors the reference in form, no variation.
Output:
9 h 05 min
